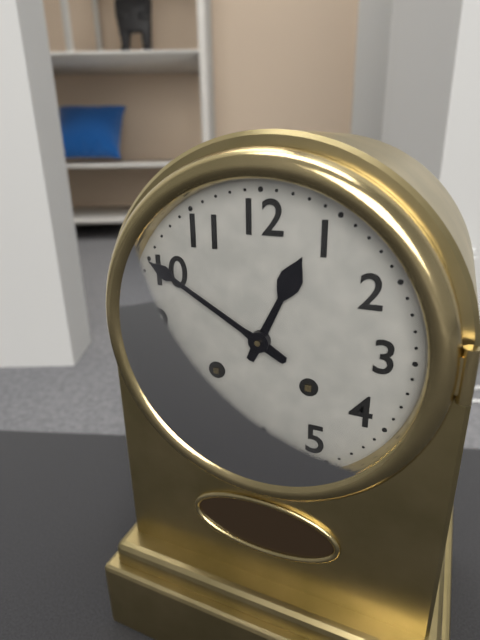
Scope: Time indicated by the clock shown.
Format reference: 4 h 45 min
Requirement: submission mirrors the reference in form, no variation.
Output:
12 h 50 min
